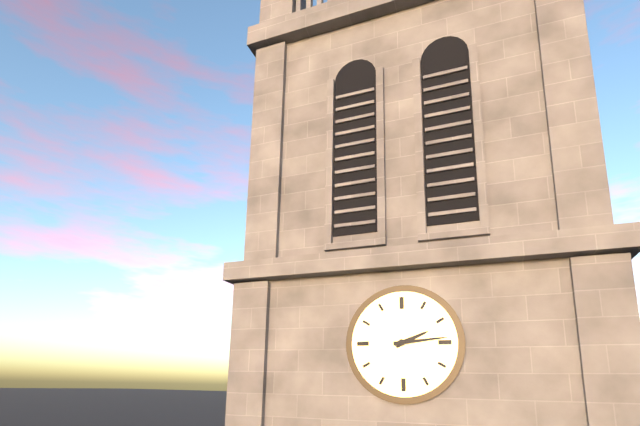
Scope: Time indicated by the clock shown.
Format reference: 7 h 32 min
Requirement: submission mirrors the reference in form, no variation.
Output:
2 h 14 min
